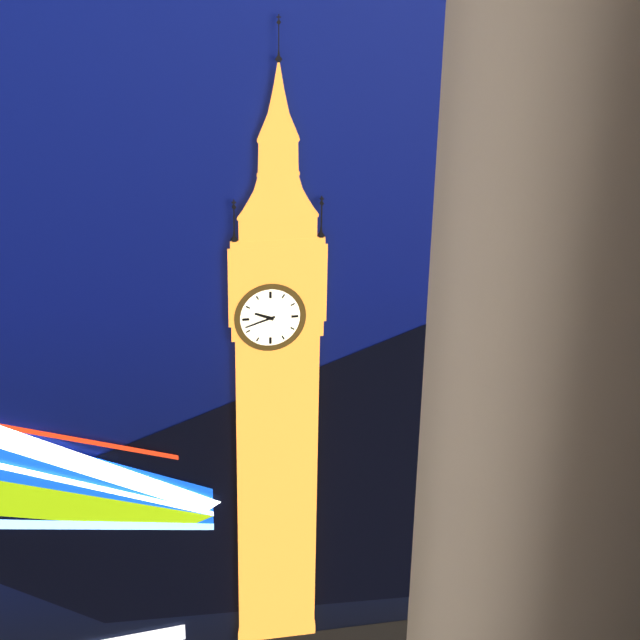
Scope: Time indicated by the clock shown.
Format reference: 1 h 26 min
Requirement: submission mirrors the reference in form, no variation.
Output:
9 h 42 min
